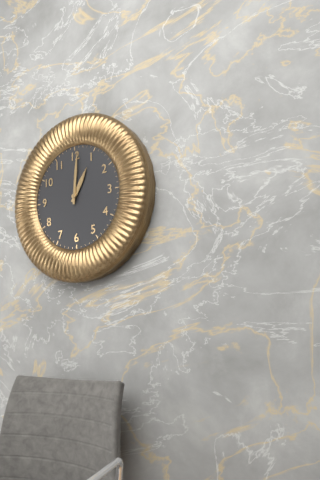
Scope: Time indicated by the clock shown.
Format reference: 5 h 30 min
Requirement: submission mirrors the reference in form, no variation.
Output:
1 h 01 min
